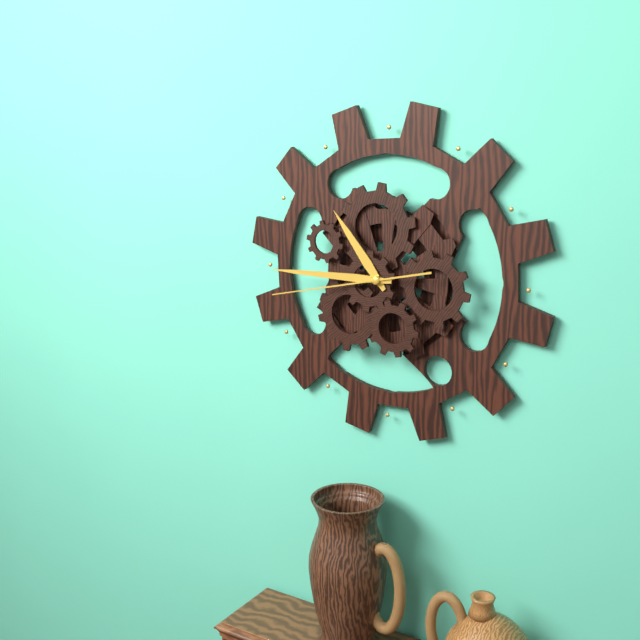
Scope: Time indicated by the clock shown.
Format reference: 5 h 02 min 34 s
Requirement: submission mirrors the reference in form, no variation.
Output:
10 h 45 min 43 s
